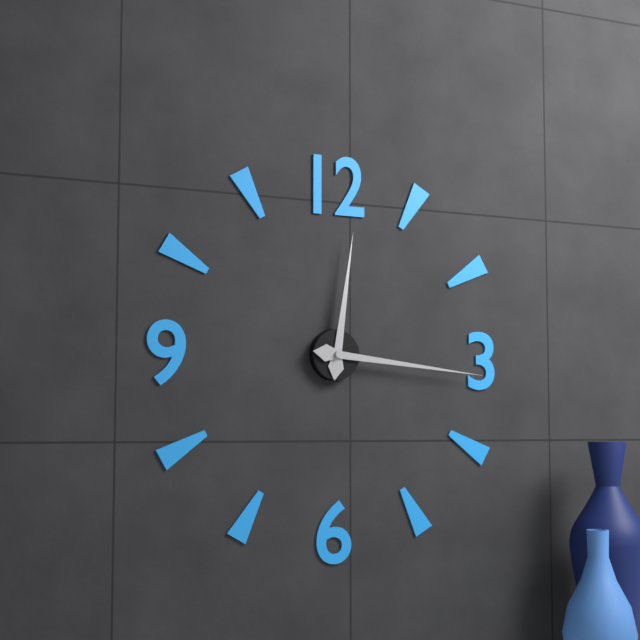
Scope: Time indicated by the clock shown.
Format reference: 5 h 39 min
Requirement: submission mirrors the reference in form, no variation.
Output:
12 h 16 min
